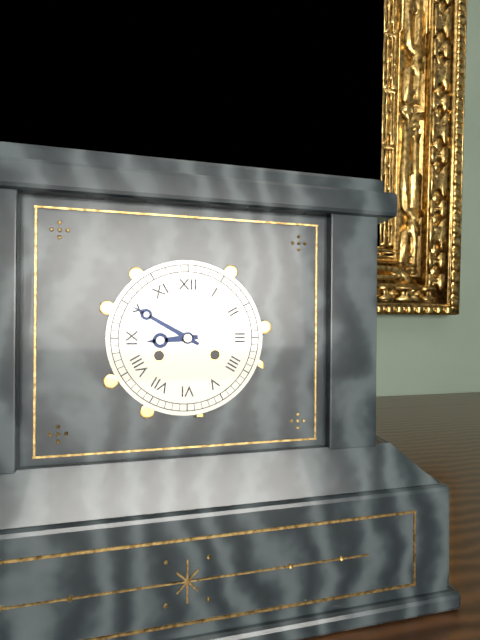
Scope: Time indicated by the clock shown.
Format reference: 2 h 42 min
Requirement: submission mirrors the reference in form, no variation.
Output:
8 h 50 min
